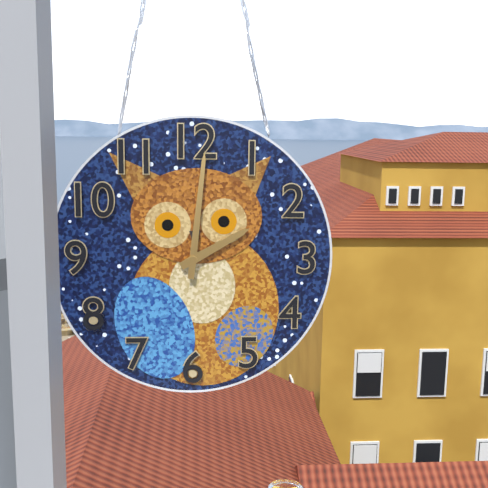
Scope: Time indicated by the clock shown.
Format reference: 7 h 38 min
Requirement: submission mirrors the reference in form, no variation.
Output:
2 h 01 min
